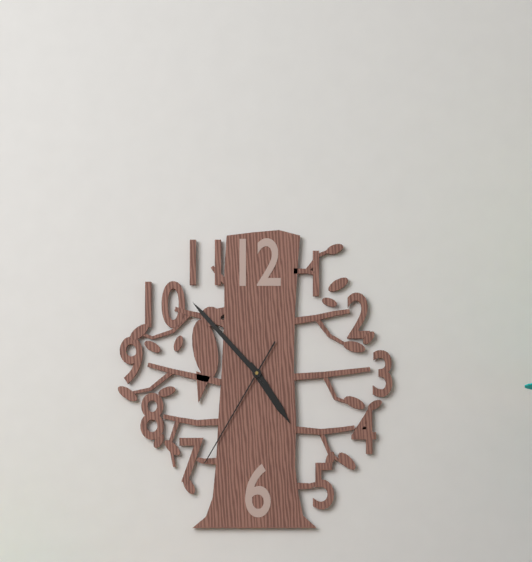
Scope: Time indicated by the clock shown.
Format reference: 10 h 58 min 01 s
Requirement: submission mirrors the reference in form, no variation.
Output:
4 h 53 min 35 s
